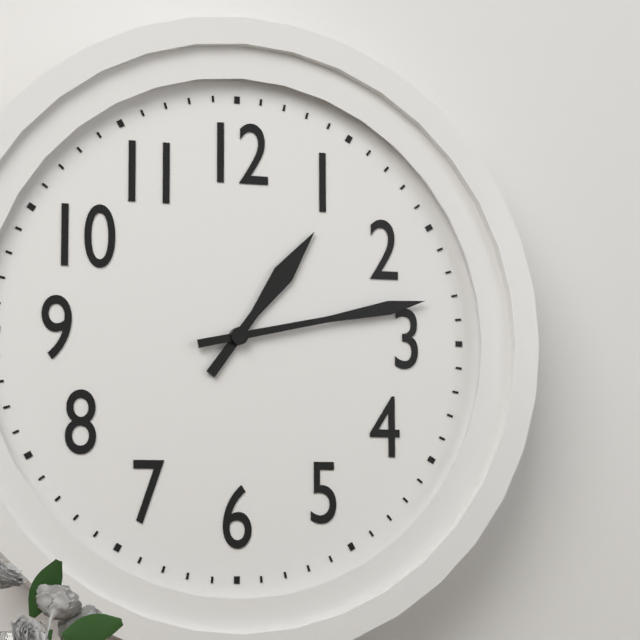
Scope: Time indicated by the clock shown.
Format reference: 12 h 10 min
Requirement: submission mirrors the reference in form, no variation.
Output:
1 h 13 min
